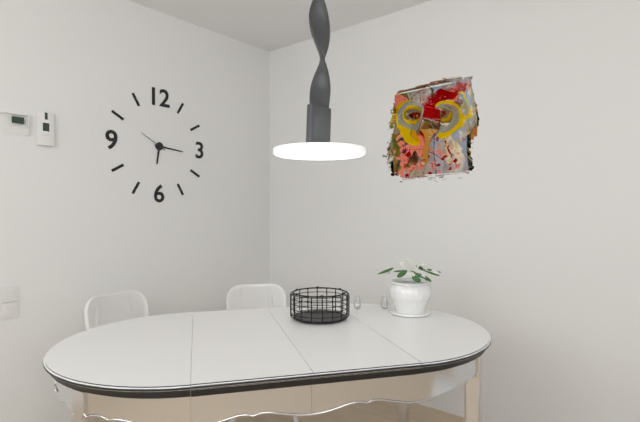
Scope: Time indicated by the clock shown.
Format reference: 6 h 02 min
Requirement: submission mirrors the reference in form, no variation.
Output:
6 h 16 min
